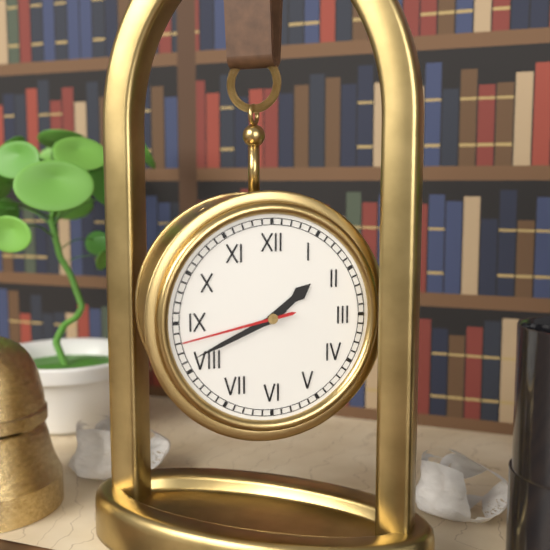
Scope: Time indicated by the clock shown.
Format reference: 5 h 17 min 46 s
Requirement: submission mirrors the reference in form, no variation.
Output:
1 h 41 min 43 s
